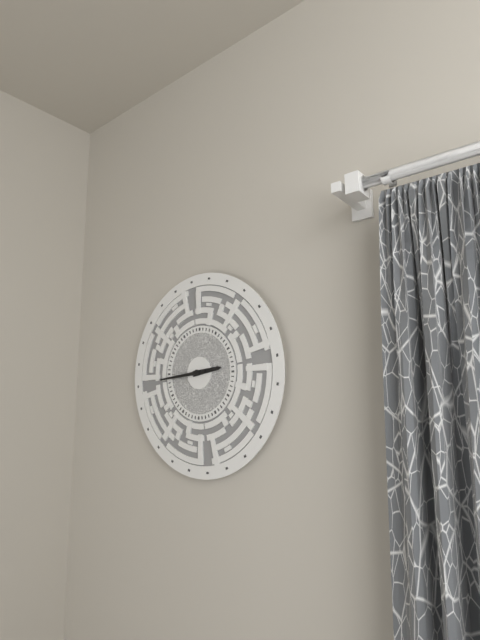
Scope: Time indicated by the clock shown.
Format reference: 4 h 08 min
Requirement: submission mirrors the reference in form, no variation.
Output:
2 h 44 min
